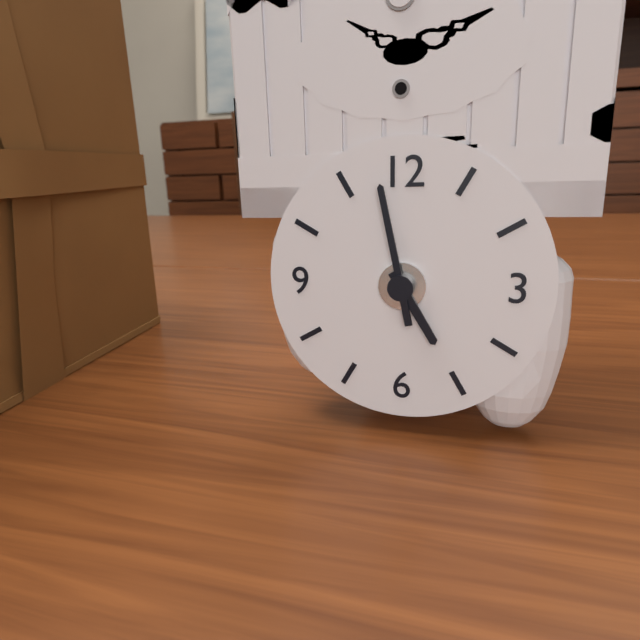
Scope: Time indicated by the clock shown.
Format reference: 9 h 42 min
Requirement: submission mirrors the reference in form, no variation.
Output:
4 h 58 min
